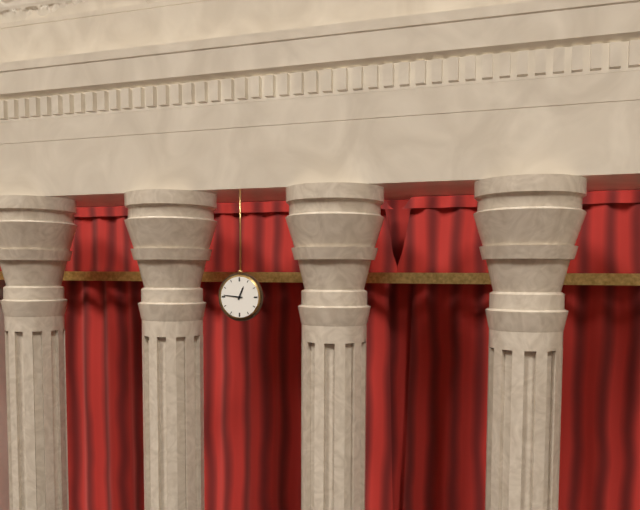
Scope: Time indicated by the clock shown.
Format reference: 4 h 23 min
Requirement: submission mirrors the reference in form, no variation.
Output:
12 h 46 min
